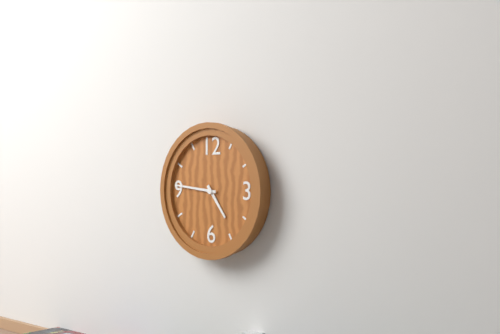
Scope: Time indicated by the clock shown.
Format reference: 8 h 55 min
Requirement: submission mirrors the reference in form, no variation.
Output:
4 h 46 min
